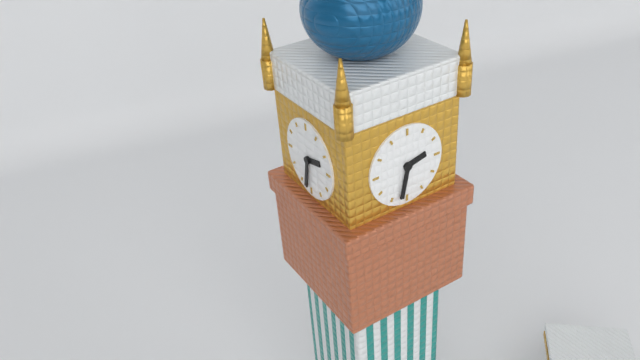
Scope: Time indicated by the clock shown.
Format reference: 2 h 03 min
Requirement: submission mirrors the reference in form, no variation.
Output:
2 h 32 min
